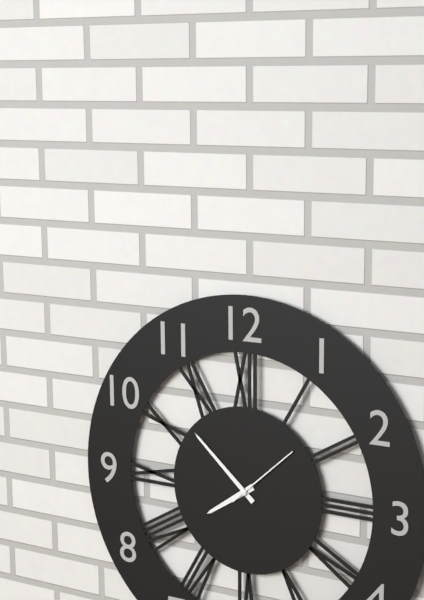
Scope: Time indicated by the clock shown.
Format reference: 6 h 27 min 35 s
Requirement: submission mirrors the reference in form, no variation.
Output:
7 h 52 min 08 s
